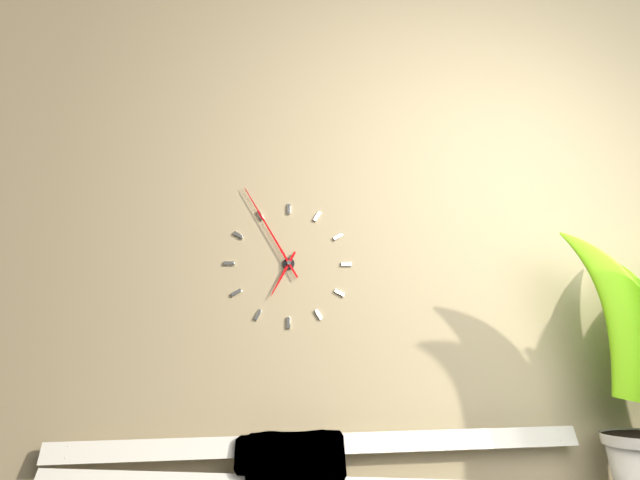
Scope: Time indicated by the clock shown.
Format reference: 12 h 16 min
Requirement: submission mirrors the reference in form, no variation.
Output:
6 h 55 min
